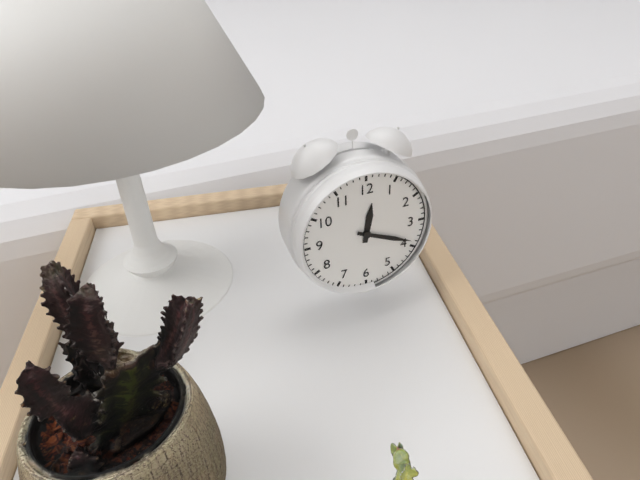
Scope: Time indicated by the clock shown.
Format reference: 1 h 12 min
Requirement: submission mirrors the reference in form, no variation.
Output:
12 h 19 min
